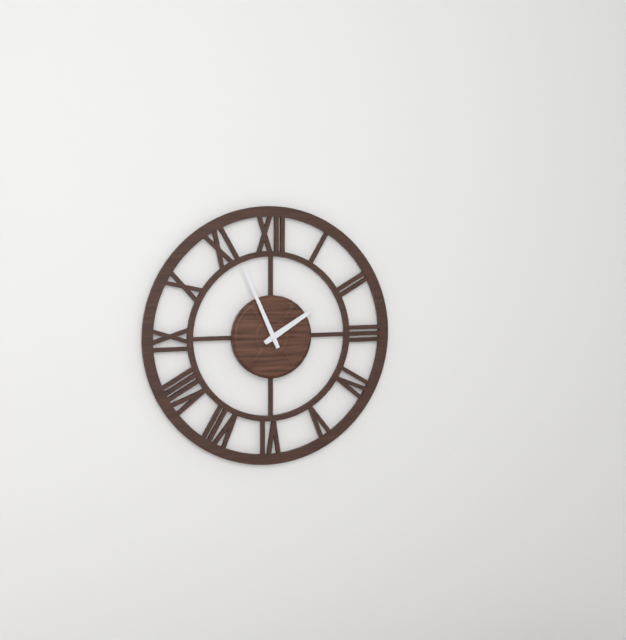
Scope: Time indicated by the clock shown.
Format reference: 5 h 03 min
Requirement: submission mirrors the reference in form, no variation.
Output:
1 h 56 min
